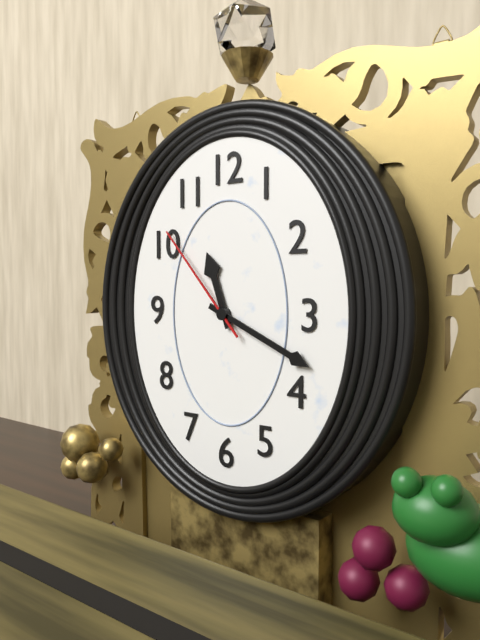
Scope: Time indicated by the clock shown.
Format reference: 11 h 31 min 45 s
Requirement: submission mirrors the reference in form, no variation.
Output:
11 h 19 min 53 s
